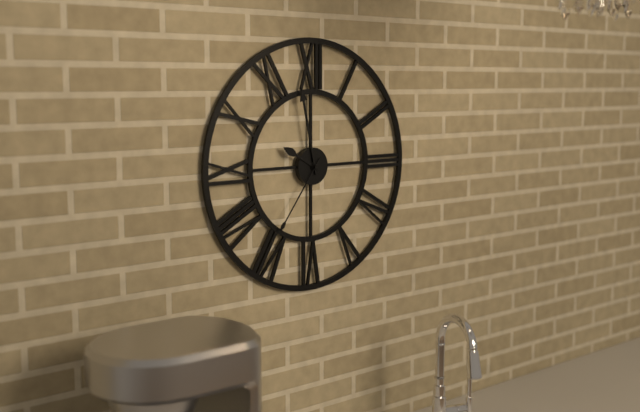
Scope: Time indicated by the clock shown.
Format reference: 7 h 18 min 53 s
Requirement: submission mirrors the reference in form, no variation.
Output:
9 h 58 min 36 s
